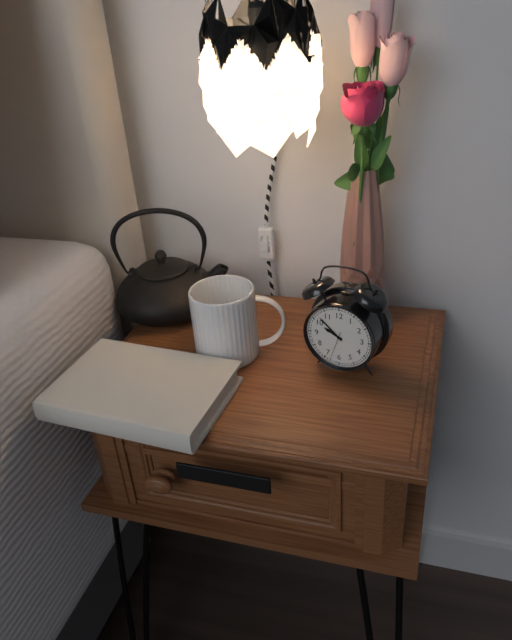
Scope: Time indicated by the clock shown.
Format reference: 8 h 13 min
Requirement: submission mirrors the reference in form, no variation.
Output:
9 h 52 min
